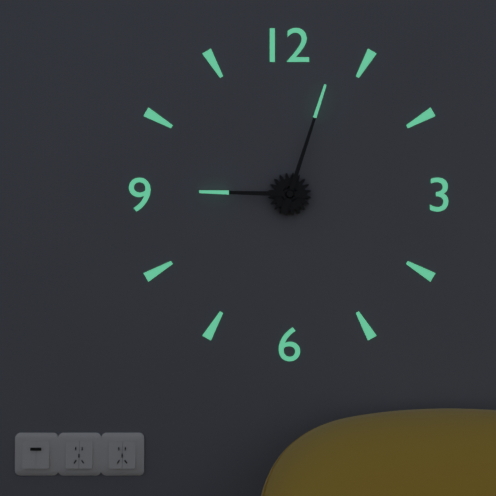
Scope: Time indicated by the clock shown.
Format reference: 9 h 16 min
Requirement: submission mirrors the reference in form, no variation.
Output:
9 h 03 min
